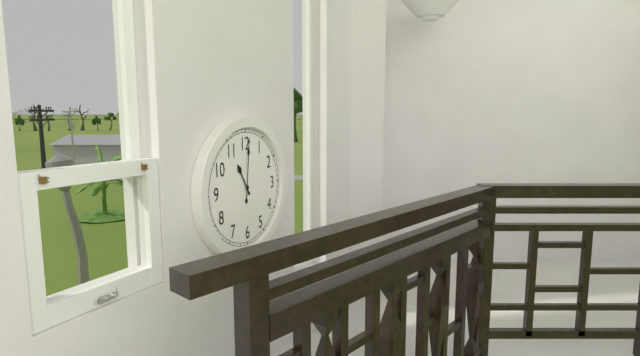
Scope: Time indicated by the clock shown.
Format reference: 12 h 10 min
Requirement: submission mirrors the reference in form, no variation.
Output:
11 h 01 min
